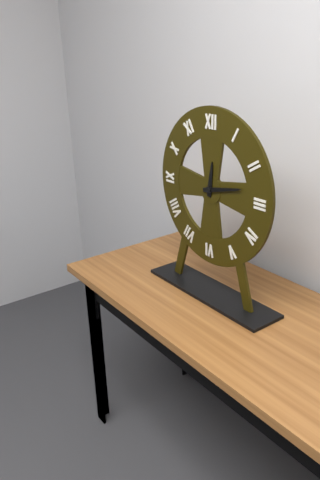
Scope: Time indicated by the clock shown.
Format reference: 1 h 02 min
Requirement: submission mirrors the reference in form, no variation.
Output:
12 h 13 min
